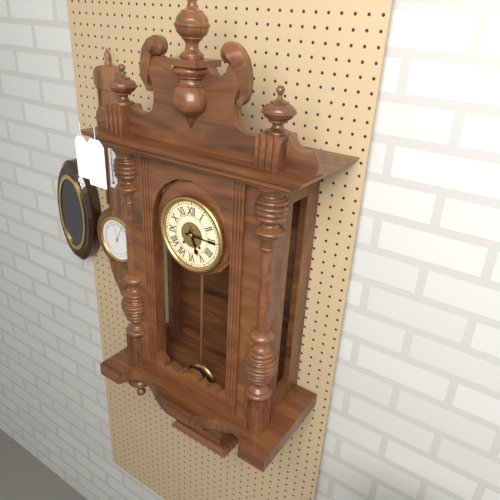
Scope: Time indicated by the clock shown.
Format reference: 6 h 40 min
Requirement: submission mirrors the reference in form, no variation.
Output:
5 h 15 min
